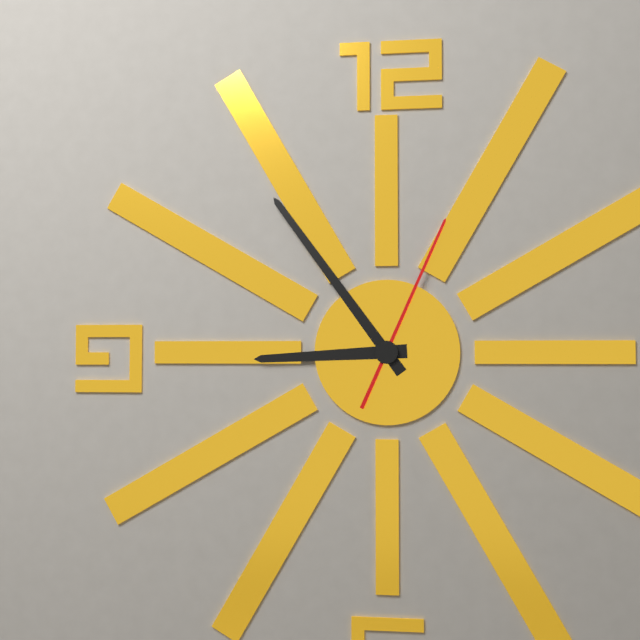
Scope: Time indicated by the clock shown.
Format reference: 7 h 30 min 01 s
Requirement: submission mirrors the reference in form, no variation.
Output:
8 h 54 min 04 s
